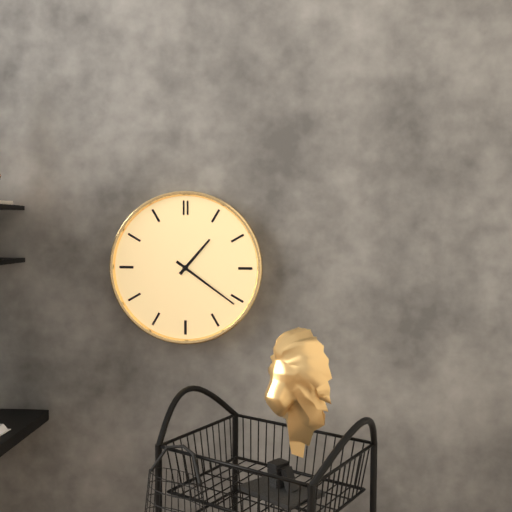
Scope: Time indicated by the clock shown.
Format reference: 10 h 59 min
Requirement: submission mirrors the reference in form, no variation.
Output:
1 h 21 min
